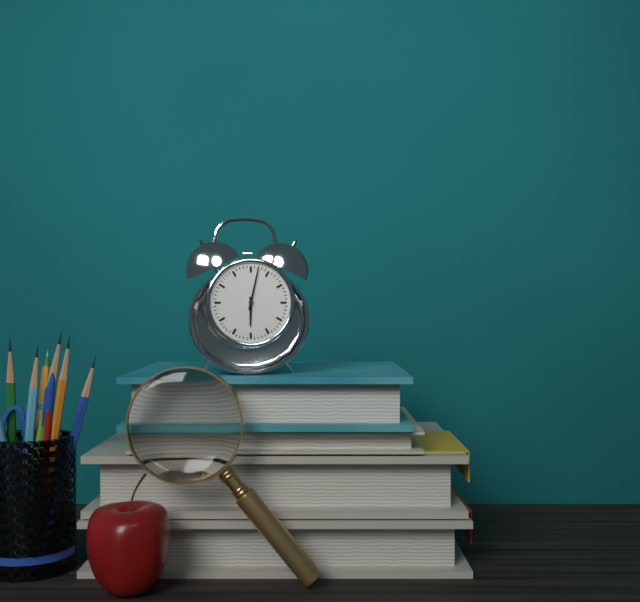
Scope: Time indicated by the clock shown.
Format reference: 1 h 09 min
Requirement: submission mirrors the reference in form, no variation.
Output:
6 h 02 min
